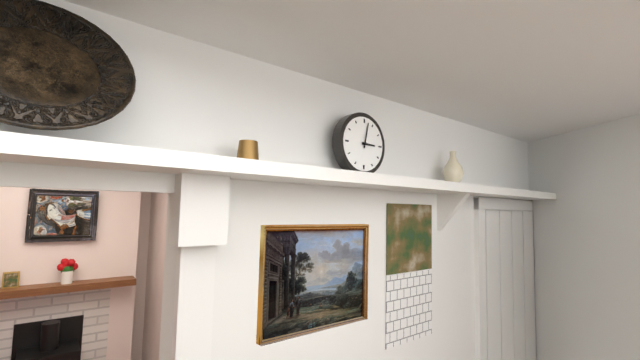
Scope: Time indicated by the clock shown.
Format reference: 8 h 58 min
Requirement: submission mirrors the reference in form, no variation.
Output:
3 h 02 min
